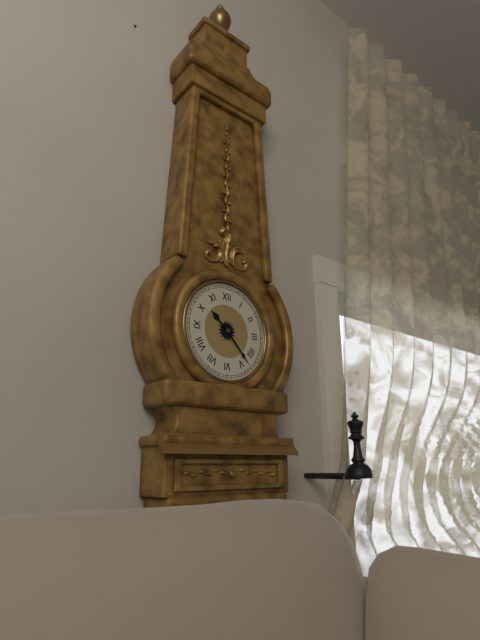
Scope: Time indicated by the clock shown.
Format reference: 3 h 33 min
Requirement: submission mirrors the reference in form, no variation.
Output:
10 h 23 min
